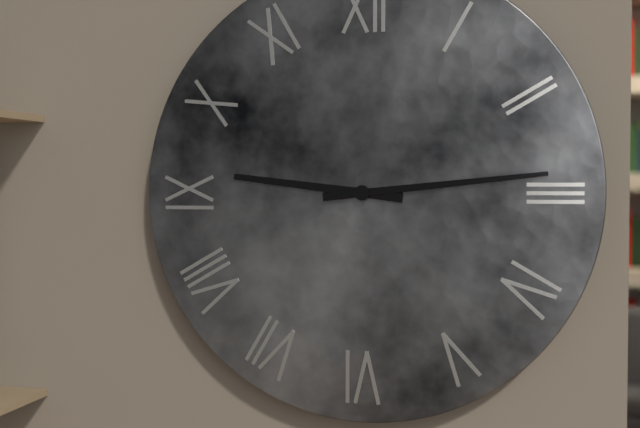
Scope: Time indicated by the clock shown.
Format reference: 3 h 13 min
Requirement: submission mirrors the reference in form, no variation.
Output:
9 h 14 min
